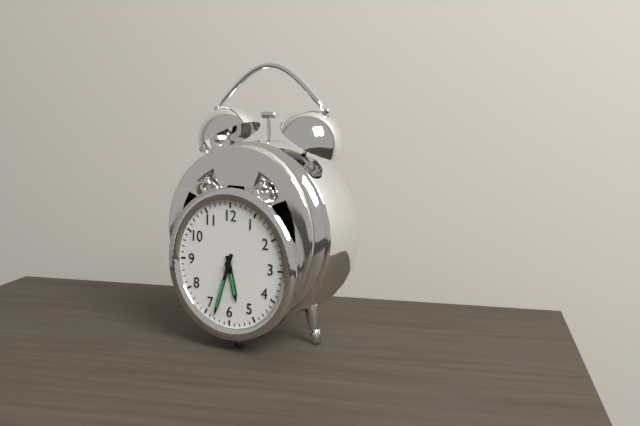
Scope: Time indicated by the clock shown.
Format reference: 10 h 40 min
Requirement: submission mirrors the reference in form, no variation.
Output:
5 h 33 min
